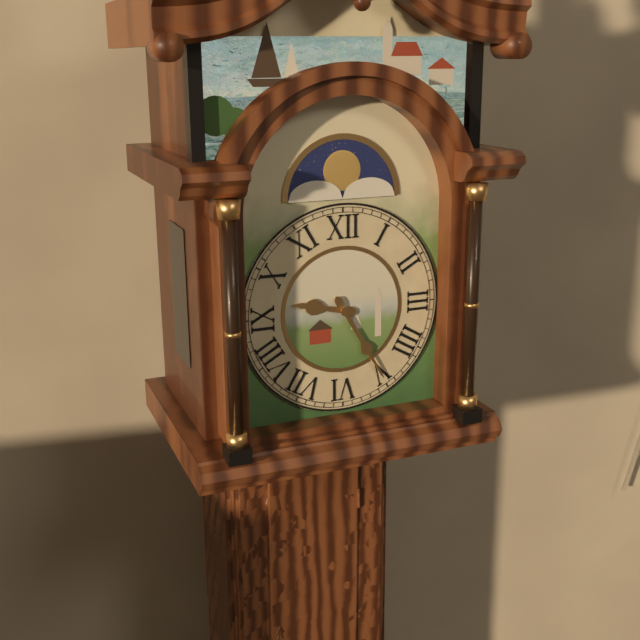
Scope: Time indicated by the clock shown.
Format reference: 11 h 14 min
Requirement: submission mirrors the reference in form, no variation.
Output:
9 h 25 min
